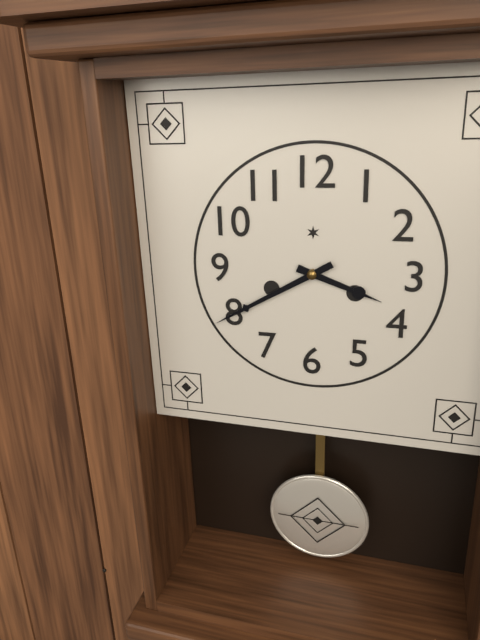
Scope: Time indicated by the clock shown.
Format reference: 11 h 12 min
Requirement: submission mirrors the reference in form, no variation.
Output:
3 h 40 min
